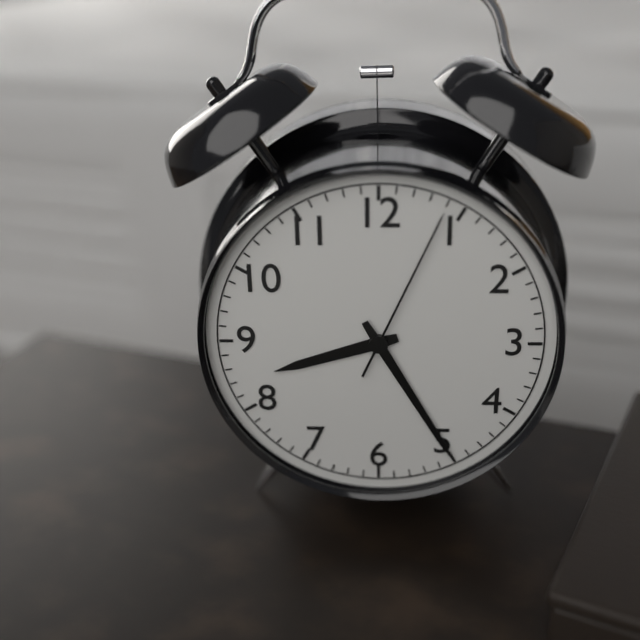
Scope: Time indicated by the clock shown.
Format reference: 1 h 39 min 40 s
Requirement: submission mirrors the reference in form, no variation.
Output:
8 h 25 min 04 s
